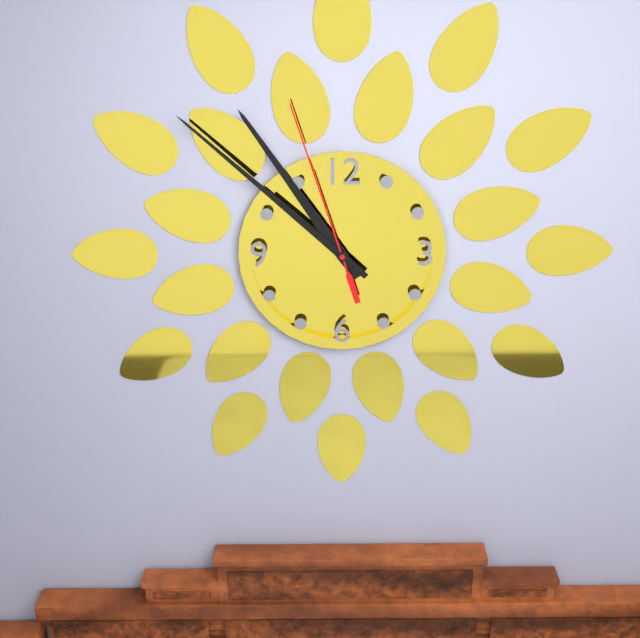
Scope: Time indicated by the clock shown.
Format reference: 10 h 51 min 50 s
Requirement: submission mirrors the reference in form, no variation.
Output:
10 h 52 min 57 s
